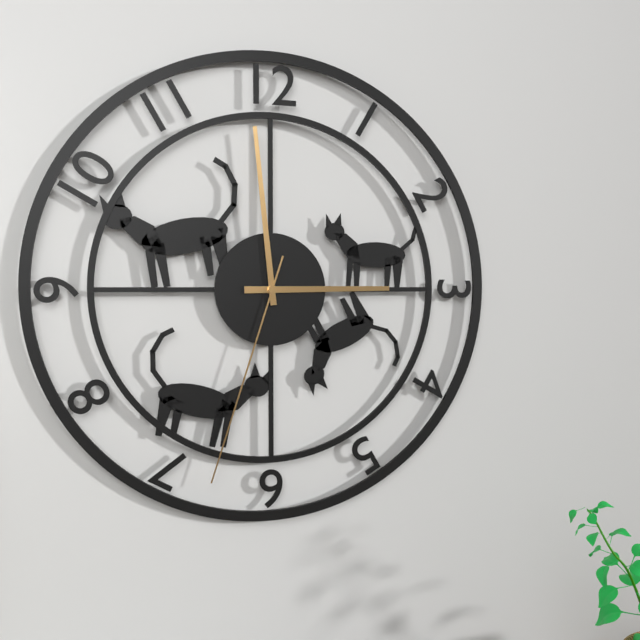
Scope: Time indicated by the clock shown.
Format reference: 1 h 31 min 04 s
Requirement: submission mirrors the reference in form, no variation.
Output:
2 h 59 min 33 s
